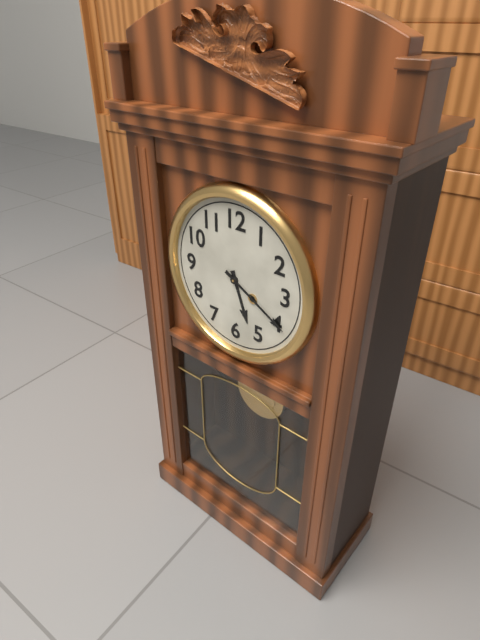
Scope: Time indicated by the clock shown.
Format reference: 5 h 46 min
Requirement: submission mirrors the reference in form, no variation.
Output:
5 h 20 min
